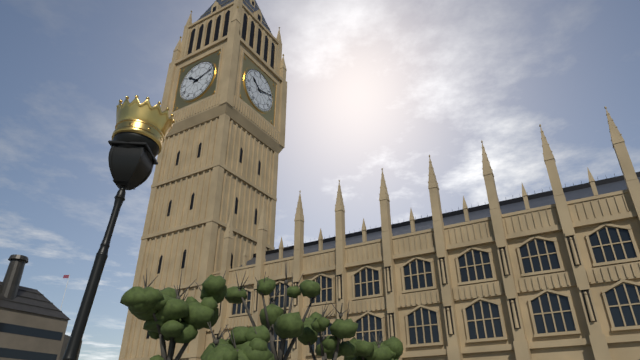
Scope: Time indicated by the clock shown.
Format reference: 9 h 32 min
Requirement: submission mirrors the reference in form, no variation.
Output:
10 h 12 min
